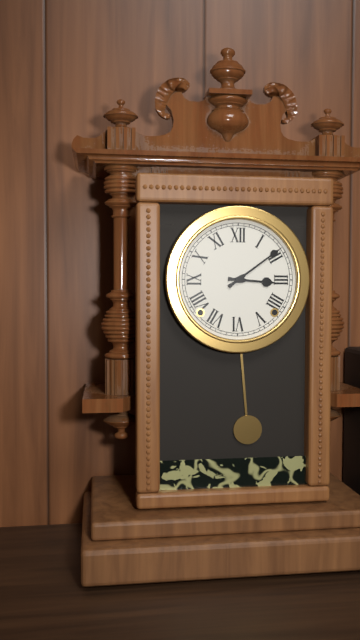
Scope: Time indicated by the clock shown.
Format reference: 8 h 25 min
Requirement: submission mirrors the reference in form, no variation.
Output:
3 h 09 min
